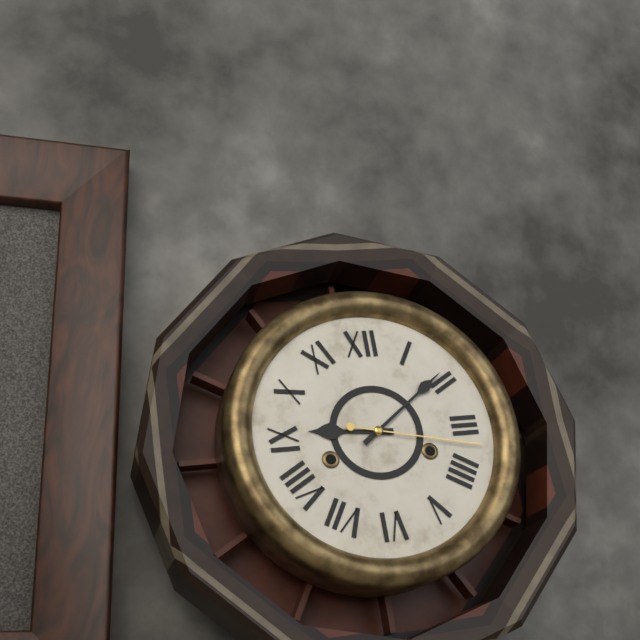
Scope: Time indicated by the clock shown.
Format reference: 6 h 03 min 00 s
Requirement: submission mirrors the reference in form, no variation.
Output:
9 h 09 min 17 s
